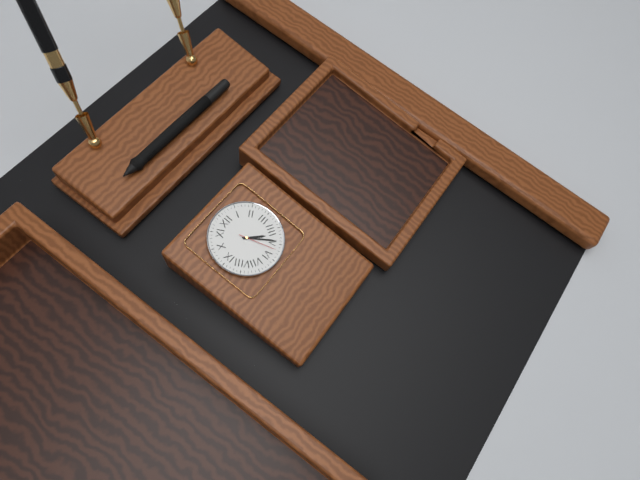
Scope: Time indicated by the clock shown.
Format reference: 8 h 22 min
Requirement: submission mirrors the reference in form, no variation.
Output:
4 h 24 min
